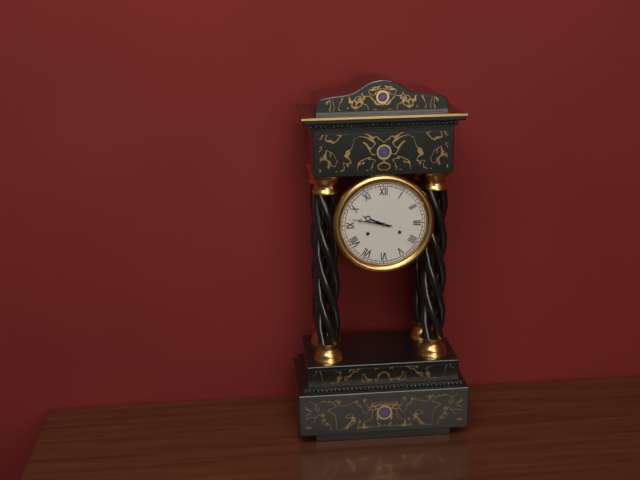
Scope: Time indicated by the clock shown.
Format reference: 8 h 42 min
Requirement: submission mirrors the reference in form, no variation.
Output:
9 h 47 min
